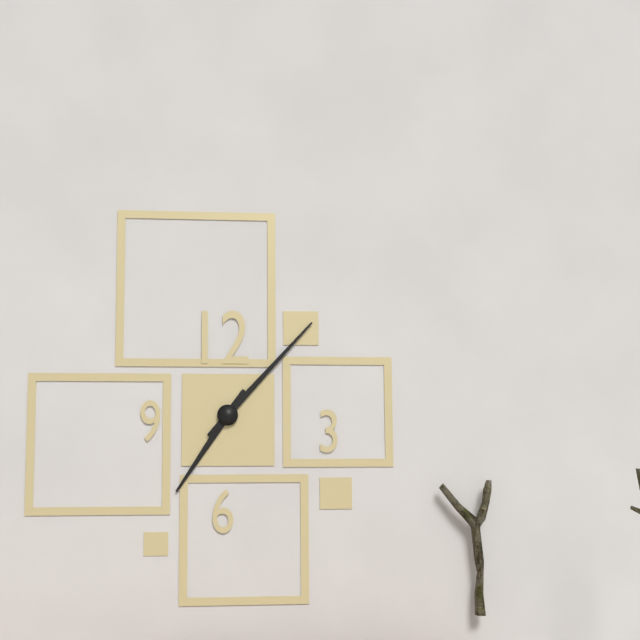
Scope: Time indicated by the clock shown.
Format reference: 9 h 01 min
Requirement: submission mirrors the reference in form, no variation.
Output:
7 h 07 min
